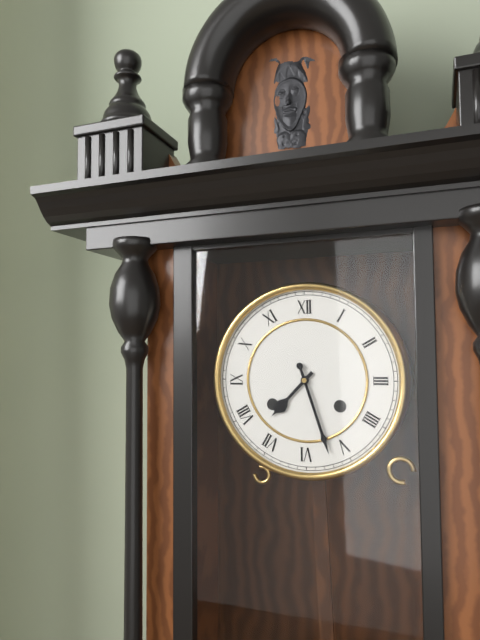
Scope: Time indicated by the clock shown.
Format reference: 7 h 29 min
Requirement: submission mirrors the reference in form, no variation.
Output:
7 h 27 min
